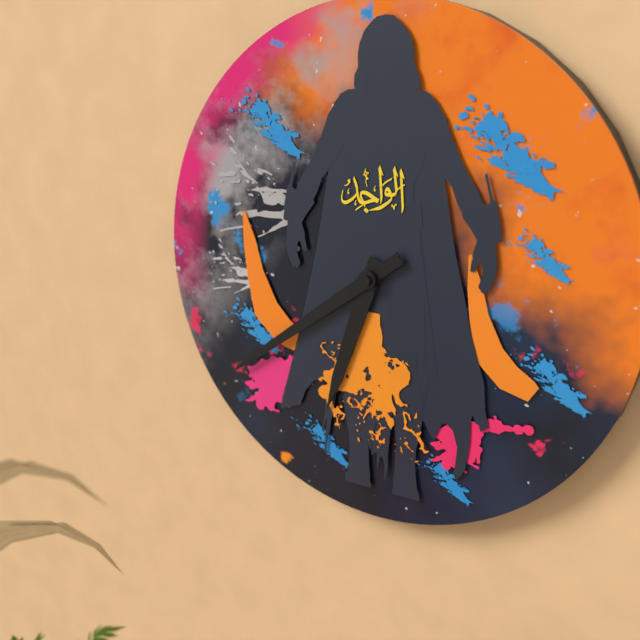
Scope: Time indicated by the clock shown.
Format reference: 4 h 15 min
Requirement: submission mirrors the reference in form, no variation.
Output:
6 h 39 min
